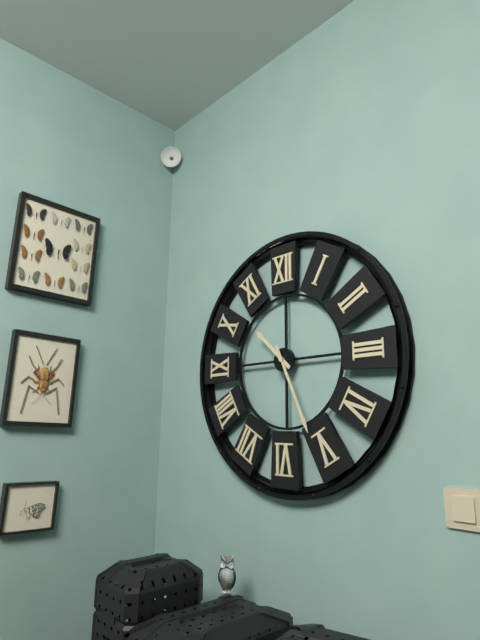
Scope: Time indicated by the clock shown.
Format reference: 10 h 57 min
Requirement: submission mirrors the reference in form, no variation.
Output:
10 h 26 min
